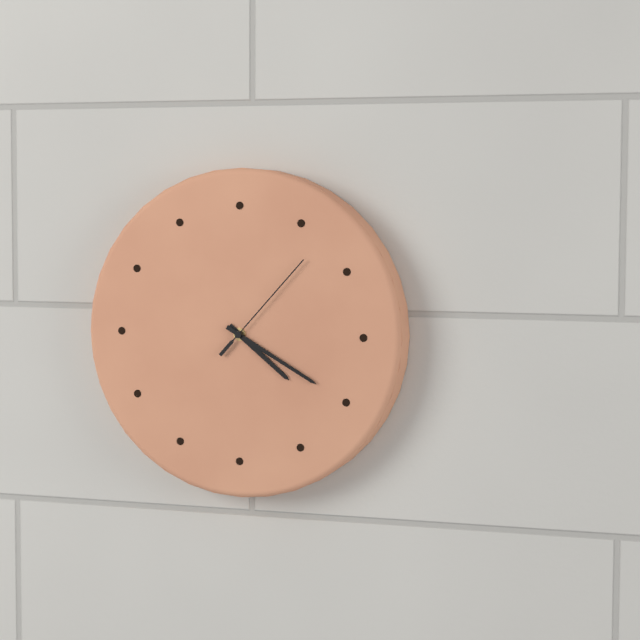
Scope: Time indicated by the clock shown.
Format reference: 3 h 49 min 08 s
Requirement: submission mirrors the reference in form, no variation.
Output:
4 h 20 min 07 s
